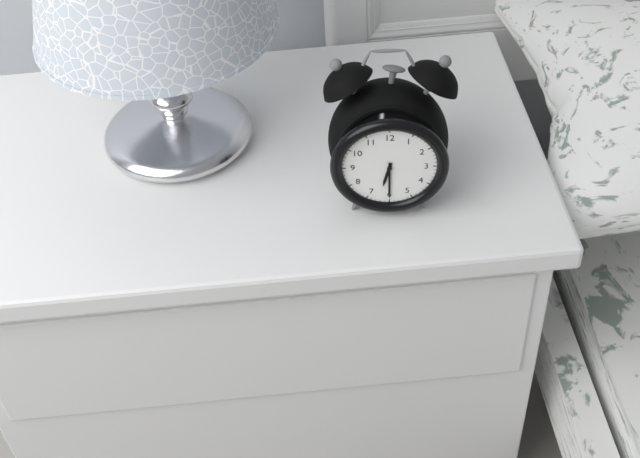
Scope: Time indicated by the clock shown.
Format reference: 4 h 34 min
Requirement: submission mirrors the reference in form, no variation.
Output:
6 h 30 min
